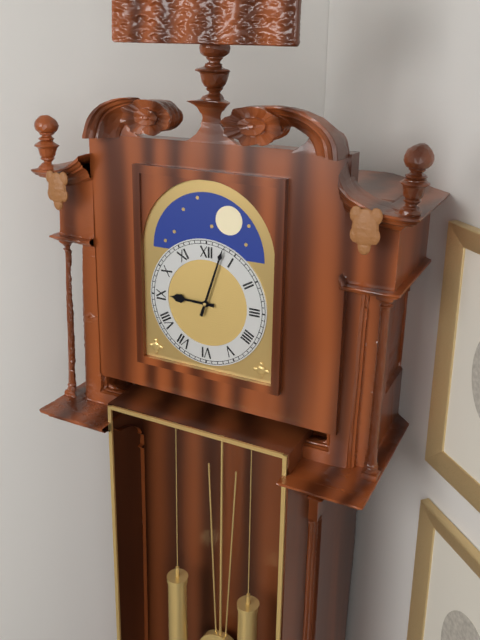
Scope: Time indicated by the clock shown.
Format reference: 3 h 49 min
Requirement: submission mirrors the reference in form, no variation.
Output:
9 h 03 min
